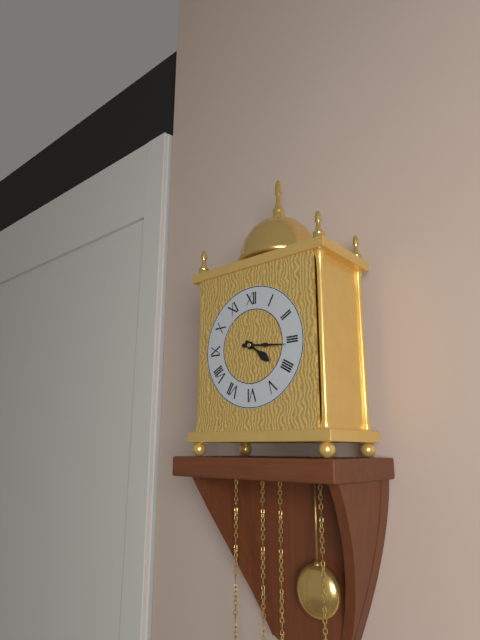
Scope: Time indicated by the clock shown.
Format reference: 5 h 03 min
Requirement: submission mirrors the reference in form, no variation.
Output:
4 h 16 min
